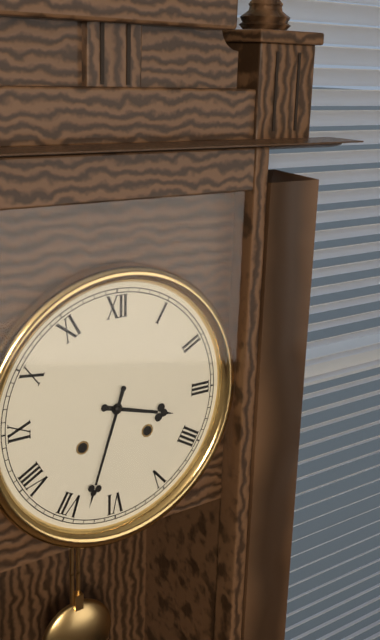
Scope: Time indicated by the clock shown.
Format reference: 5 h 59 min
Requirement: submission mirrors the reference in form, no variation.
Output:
3 h 33 min
